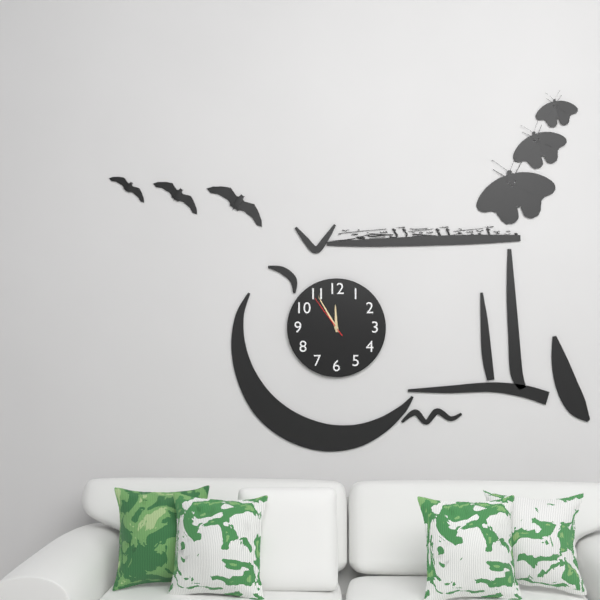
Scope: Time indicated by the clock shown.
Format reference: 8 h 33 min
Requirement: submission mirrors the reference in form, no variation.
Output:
11 h 55 min
